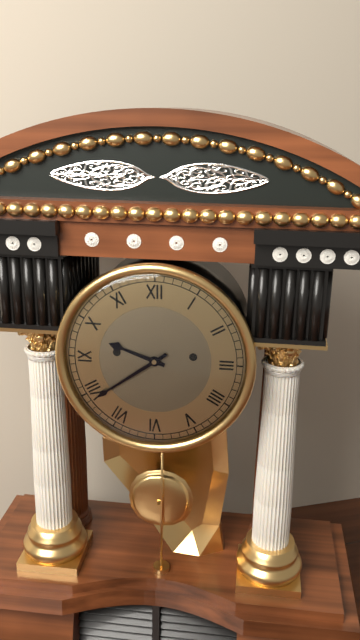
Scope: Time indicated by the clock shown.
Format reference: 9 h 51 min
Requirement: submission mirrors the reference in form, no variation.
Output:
9 h 39 min
